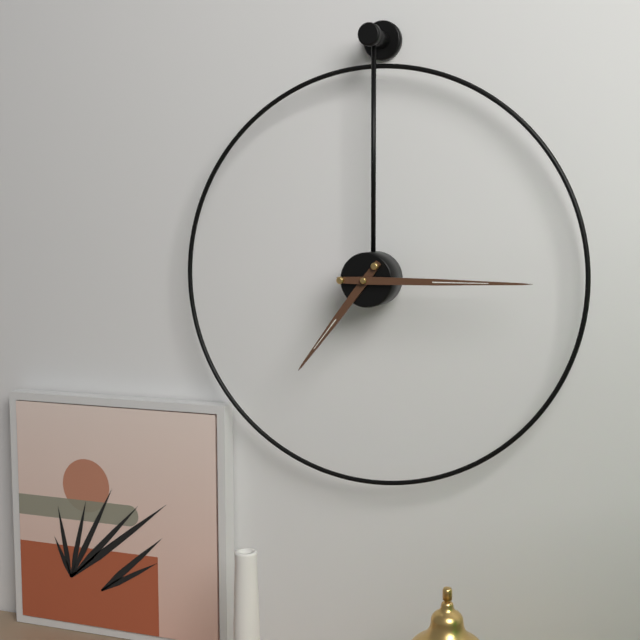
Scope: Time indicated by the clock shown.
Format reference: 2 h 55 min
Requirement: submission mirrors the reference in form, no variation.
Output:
7 h 15 min
